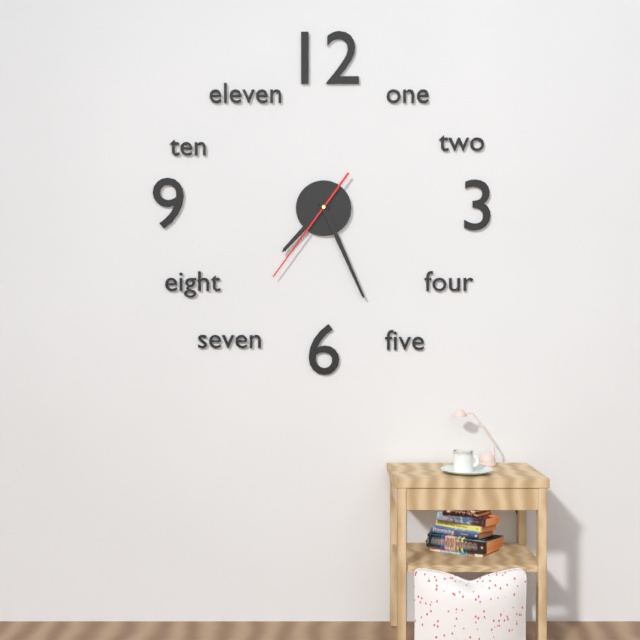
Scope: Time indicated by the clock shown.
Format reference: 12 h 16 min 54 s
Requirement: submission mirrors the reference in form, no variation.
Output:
7 h 26 min 36 s
